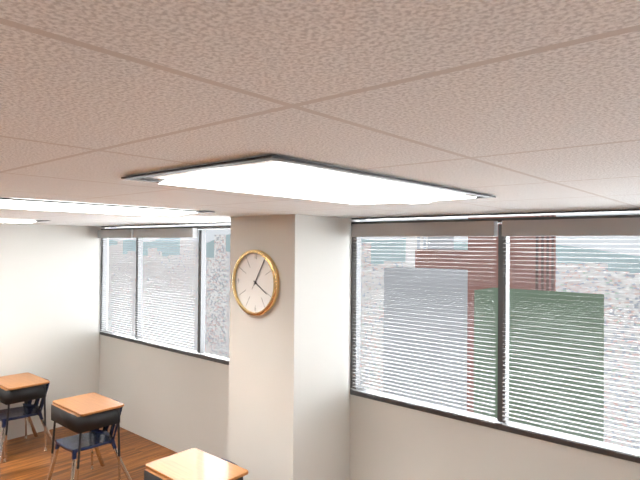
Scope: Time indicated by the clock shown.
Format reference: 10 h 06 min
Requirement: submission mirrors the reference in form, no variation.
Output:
4 h 05 min
